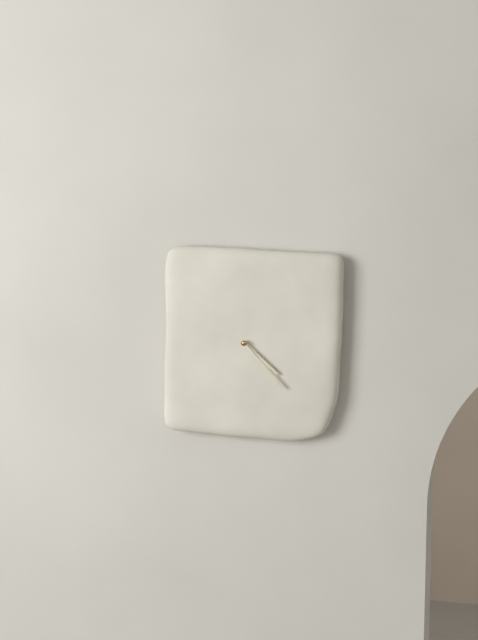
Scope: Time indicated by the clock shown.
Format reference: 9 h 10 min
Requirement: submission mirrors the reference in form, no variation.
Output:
4 h 23 min
